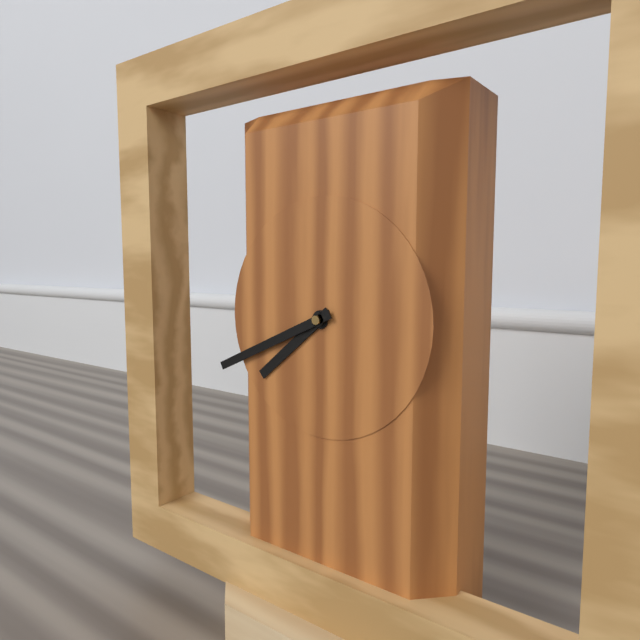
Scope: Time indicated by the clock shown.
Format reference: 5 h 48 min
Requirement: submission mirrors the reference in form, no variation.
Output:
7 h 41 min
